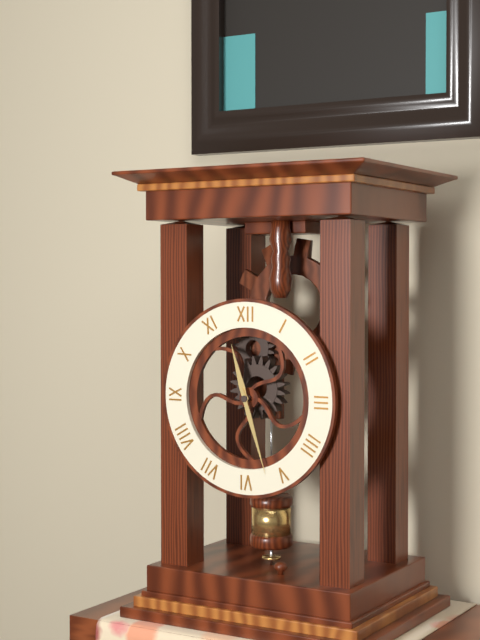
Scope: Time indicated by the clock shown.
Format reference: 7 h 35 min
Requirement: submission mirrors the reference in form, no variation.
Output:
11 h 27 min
